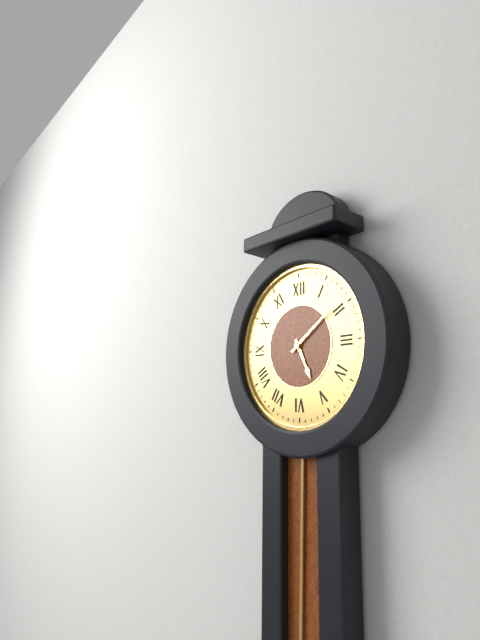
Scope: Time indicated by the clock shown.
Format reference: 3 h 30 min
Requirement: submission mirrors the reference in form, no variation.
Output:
5 h 09 min
